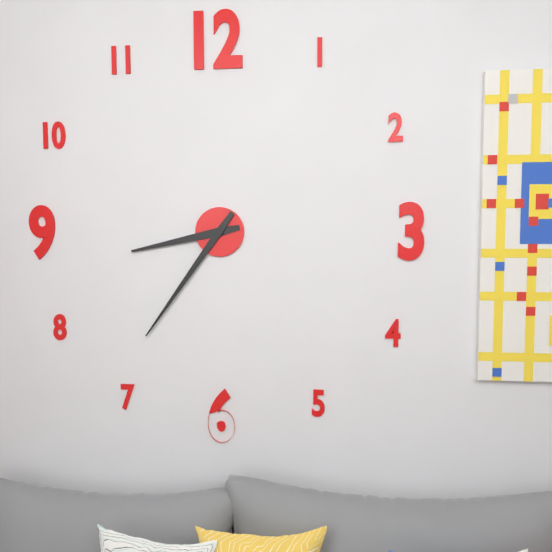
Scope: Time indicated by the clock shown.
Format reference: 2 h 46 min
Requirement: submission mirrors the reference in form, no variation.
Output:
8 h 36 min
